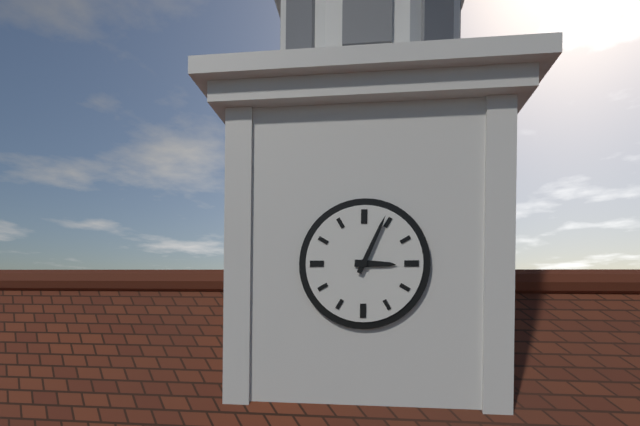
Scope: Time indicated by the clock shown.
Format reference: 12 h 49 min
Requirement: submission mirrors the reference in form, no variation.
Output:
3 h 04 min
